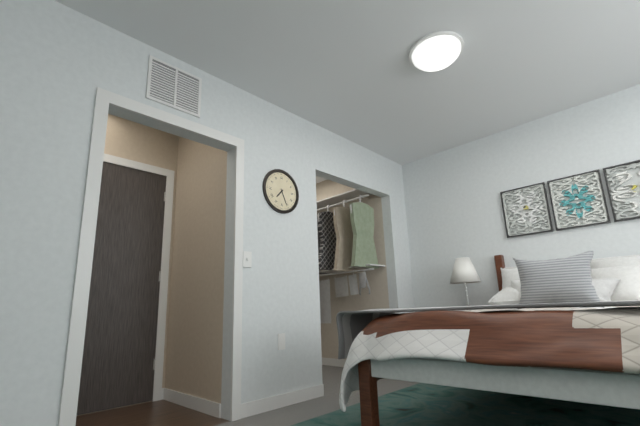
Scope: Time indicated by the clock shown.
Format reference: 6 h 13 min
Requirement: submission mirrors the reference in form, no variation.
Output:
7 h 26 min
